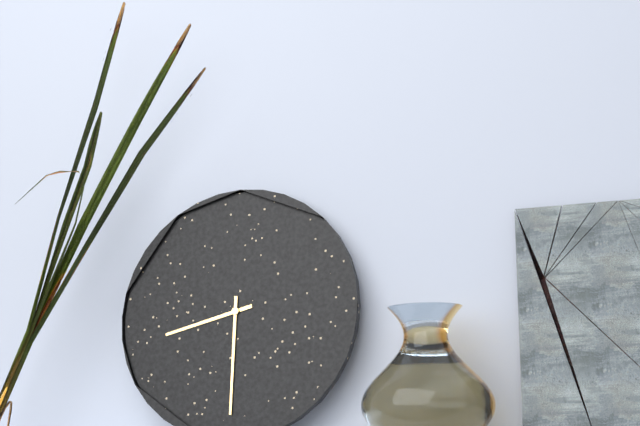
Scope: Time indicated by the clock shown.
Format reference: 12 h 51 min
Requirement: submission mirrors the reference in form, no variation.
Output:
8 h 30 min
